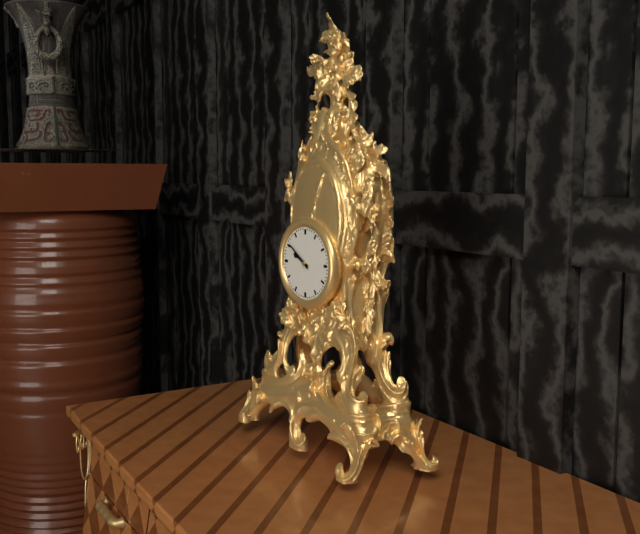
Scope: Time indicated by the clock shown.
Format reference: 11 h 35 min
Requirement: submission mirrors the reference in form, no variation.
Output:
9 h 51 min
